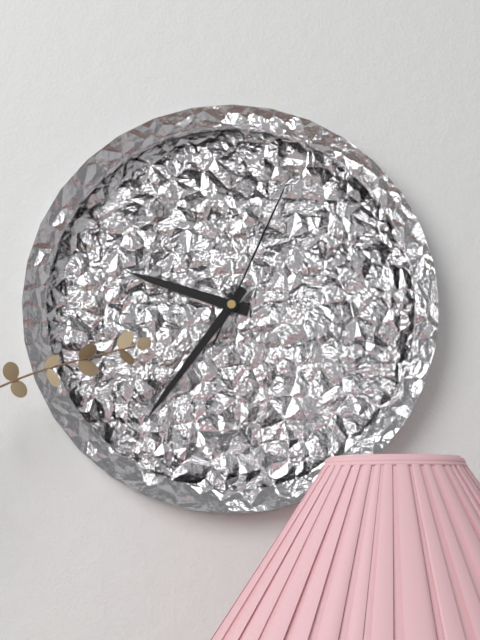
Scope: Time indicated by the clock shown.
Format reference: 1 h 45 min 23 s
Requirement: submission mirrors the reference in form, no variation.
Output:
9 h 36 min 04 s
